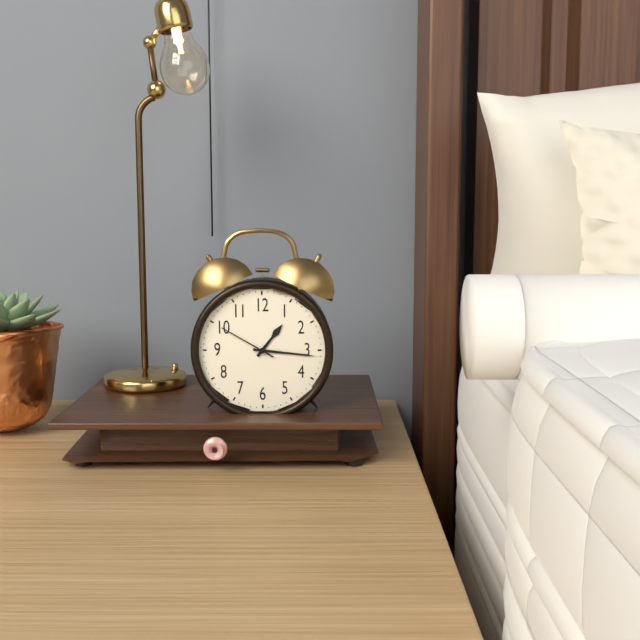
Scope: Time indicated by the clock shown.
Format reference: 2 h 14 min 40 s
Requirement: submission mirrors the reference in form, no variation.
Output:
1 h 16 min 50 s
